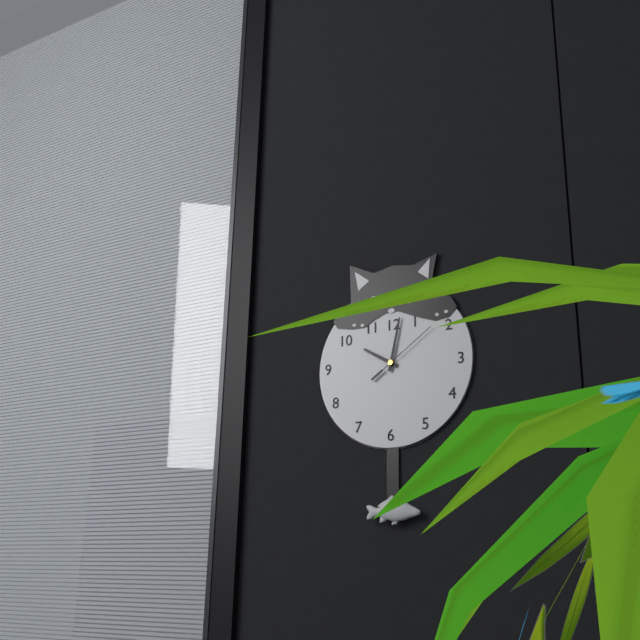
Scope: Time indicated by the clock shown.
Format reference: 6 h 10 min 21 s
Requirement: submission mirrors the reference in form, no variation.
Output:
10 h 02 min 09 s
